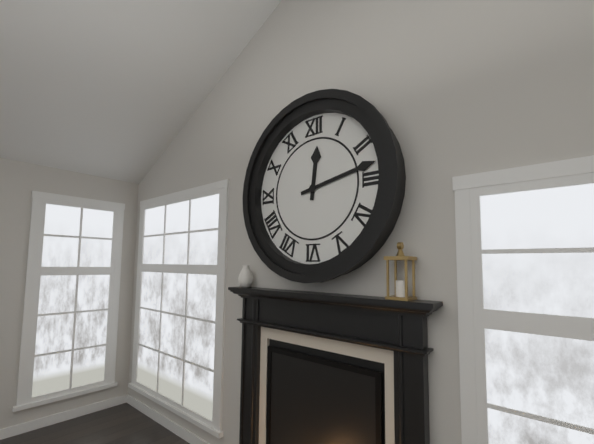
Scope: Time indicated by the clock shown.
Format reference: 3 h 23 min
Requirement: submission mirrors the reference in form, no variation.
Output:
12 h 13 min
